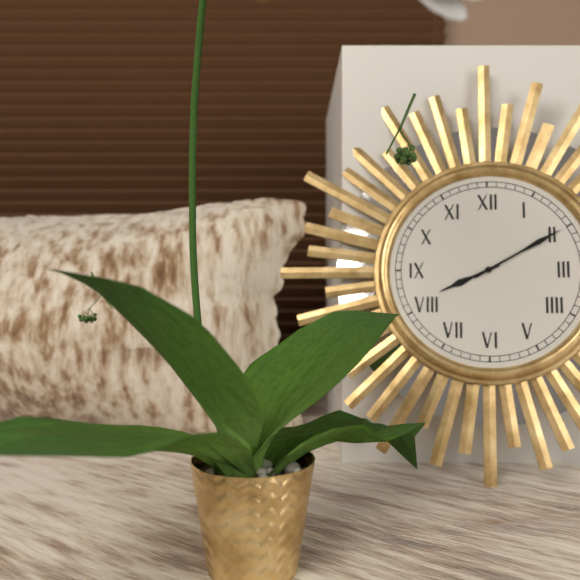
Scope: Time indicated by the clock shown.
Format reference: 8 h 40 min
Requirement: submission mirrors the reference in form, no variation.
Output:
8 h 10 min
